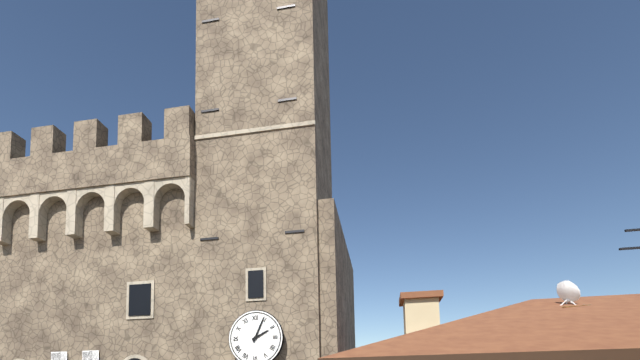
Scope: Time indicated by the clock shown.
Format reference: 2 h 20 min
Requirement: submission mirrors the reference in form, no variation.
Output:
2 h 04 min
